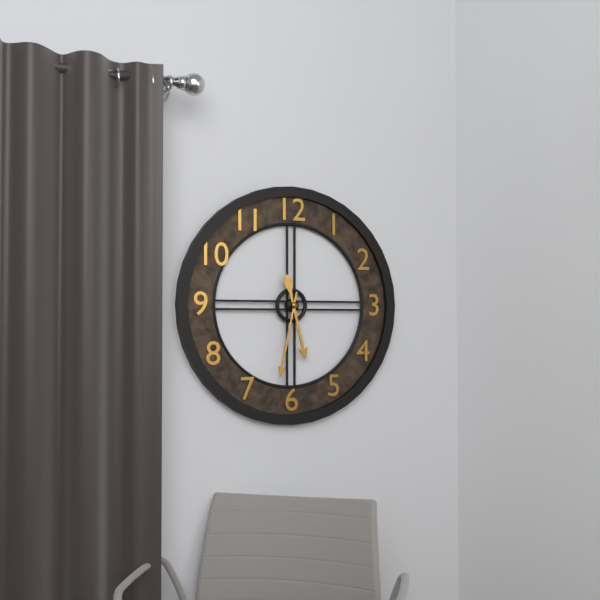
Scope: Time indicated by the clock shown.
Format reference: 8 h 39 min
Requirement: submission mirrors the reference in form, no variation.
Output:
5 h 32 min
